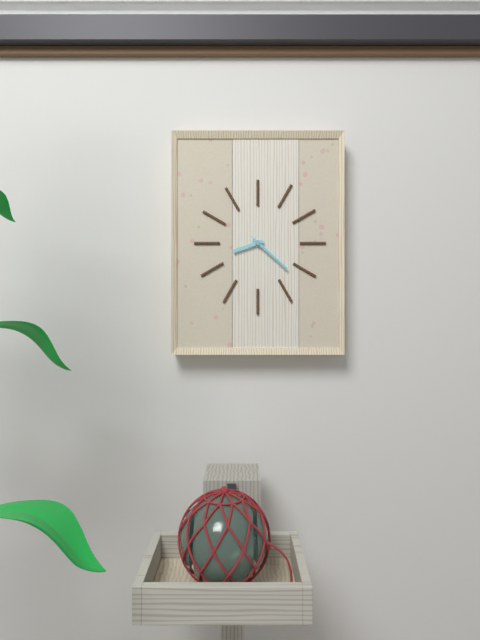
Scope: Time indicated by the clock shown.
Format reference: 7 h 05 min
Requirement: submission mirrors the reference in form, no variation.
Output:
8 h 22 min
